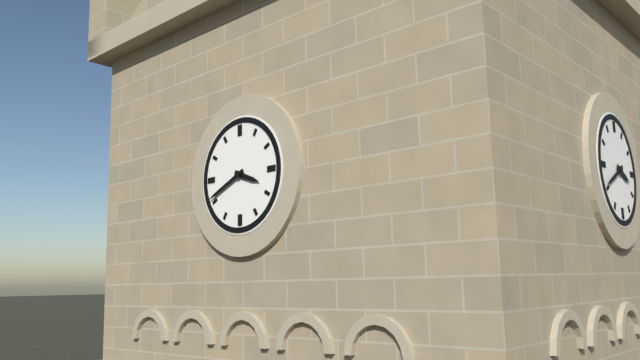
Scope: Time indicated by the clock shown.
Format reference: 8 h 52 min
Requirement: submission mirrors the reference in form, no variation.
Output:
3 h 41 min
